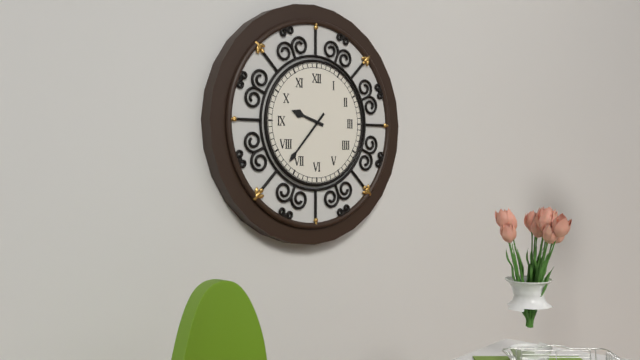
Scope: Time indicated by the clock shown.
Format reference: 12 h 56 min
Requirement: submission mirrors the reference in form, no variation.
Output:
9 h 37 min
